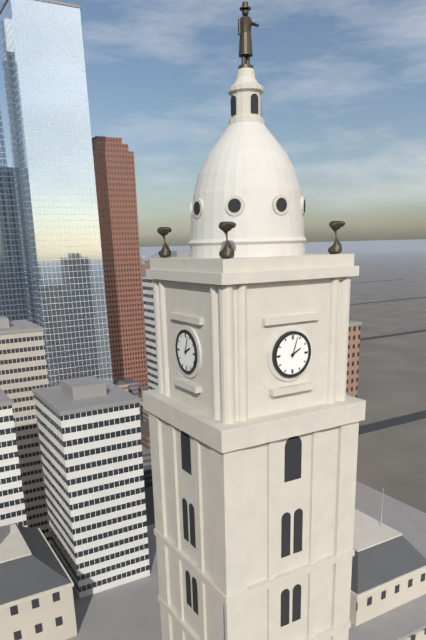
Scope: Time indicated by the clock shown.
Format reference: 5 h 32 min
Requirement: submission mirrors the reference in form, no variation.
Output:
2 h 03 min
